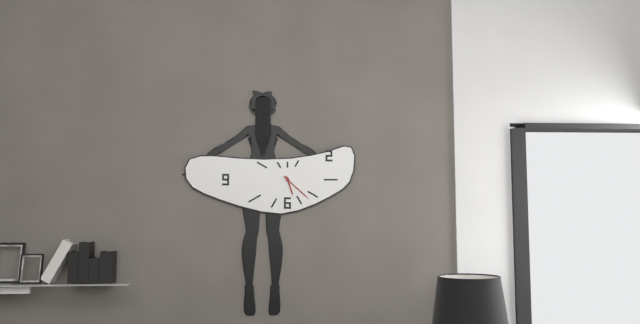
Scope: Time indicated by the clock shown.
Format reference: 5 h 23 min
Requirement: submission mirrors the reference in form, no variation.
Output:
5 h 22 min
